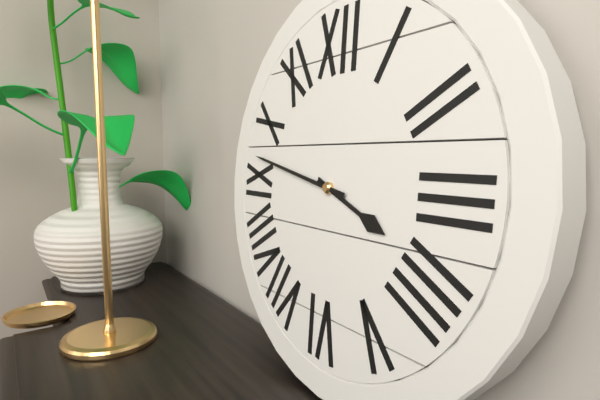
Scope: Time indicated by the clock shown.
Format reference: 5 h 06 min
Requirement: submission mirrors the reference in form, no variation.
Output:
3 h 47 min
